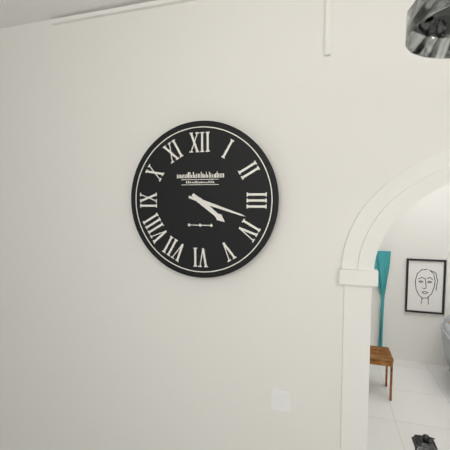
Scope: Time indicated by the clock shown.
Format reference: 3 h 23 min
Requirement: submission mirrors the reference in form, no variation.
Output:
4 h 18 min
